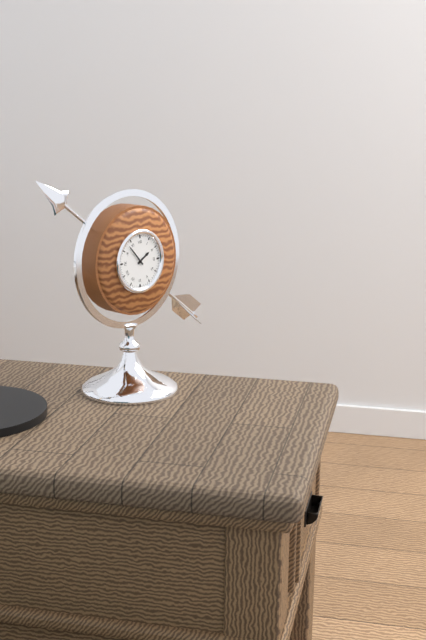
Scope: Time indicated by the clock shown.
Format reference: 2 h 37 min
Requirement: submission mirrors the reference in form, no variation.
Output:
1 h 53 min
